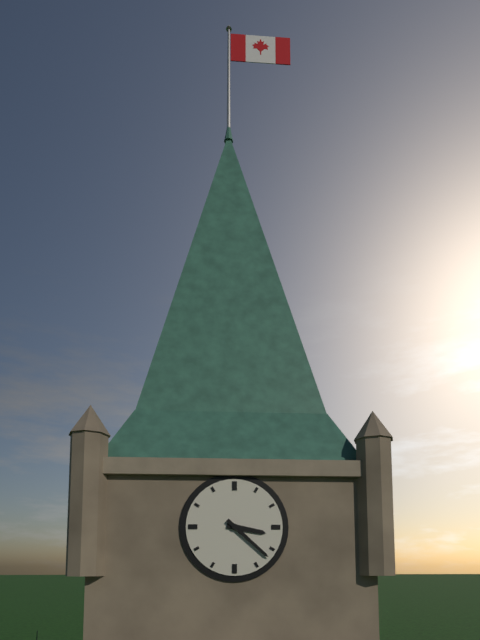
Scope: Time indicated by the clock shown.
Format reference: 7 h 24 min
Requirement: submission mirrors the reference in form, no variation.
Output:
3 h 22 min
